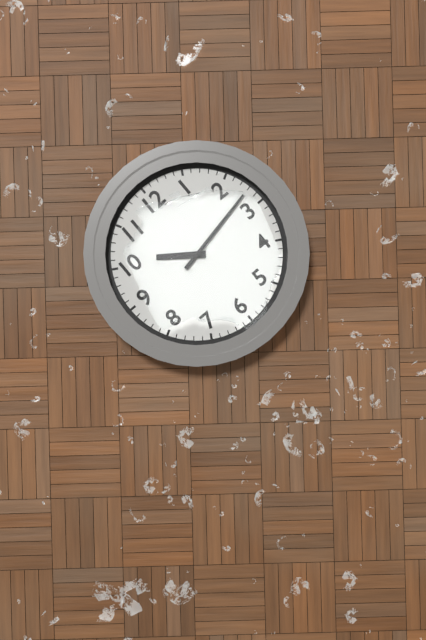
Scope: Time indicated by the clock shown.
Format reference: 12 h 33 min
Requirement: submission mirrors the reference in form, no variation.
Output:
10 h 13 min
